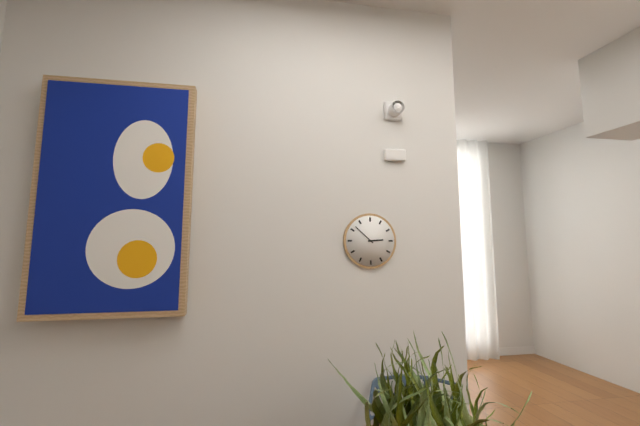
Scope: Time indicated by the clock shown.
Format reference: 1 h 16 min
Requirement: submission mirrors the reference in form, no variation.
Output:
2 h 52 min
